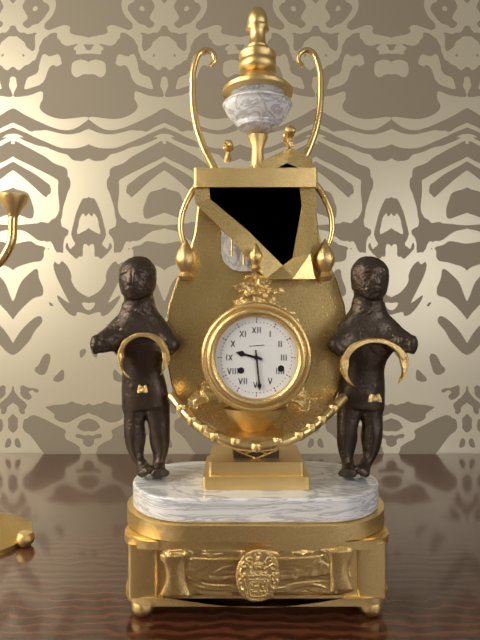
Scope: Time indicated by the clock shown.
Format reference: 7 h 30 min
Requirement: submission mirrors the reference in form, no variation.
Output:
9 h 29 min
